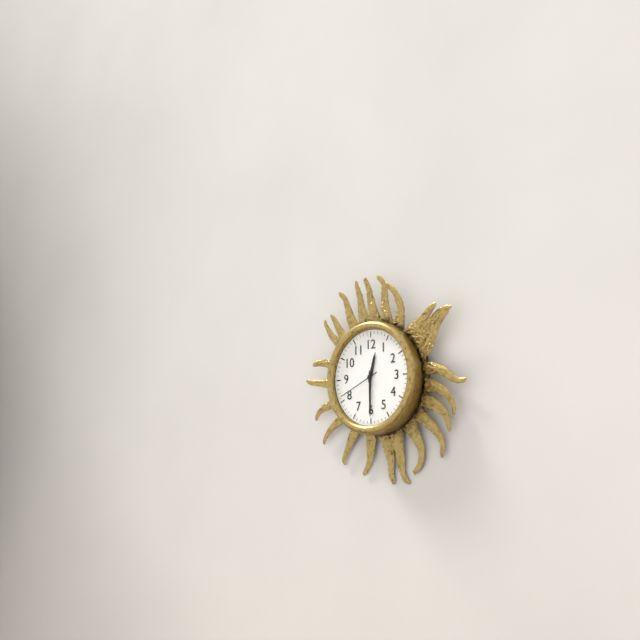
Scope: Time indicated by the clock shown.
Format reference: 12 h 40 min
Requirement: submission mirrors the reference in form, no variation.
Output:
12 h 30 min
